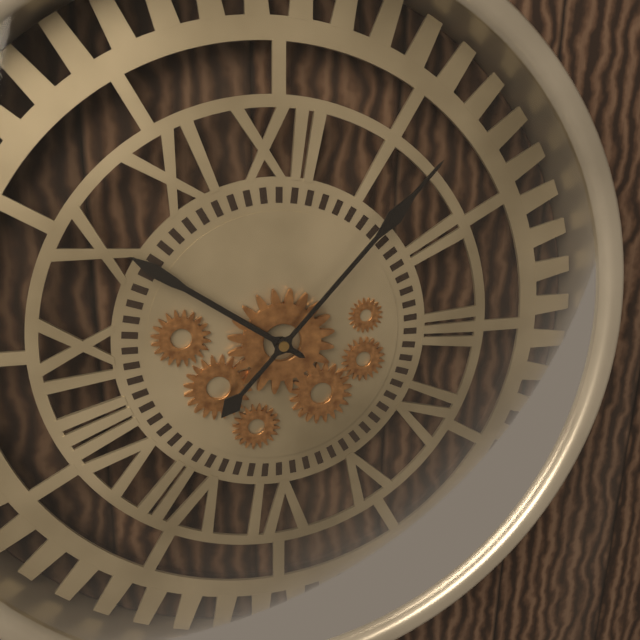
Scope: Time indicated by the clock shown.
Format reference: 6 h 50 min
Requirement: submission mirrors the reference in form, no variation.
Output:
10 h 07 min
